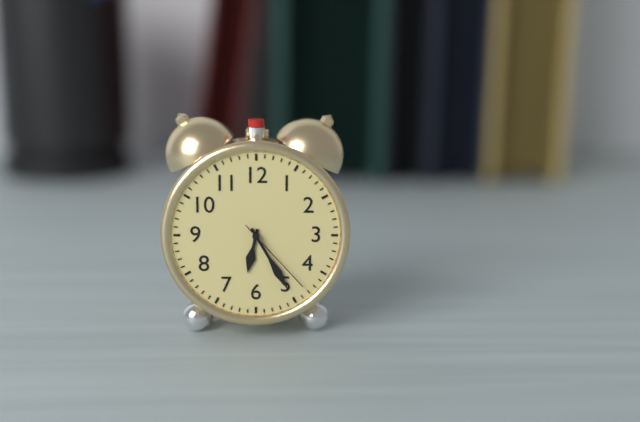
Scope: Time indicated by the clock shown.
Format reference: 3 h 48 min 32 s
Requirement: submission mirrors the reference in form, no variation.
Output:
6 h 25 min 23 s
